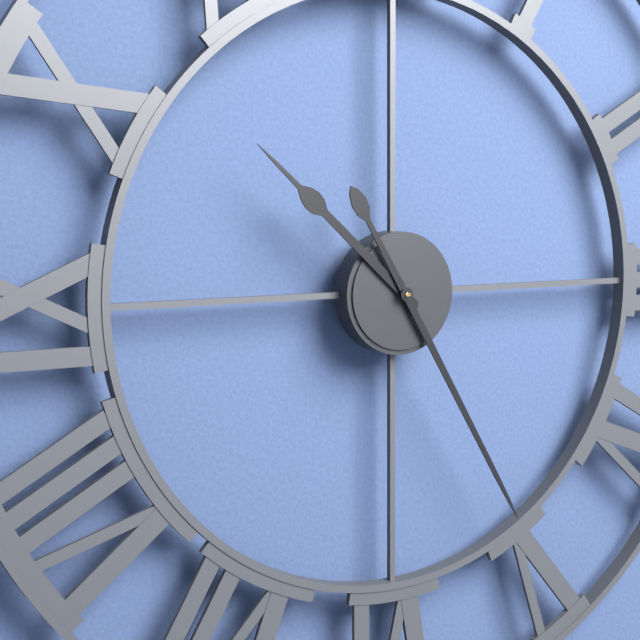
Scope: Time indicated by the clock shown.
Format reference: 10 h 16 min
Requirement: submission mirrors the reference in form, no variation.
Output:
10 h 25 min
